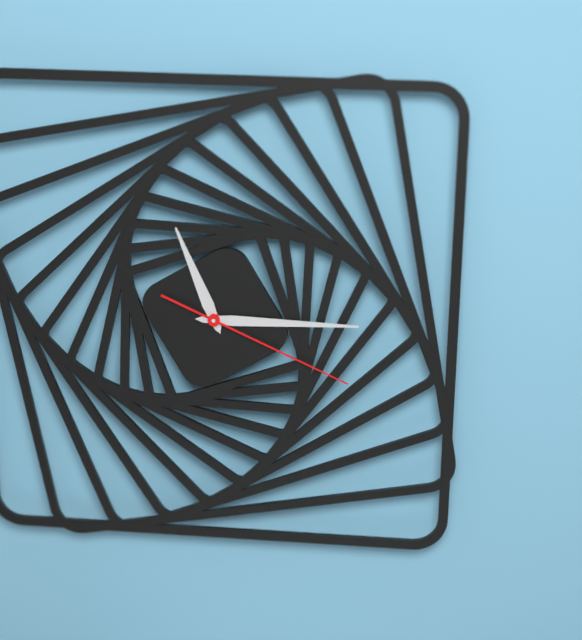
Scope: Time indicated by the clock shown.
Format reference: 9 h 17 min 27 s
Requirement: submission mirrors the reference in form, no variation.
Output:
11 h 15 min 19 s
